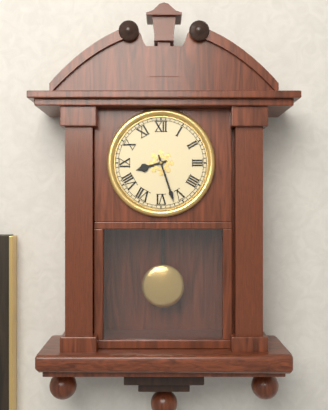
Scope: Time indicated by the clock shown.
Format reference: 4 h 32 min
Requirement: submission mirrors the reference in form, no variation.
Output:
8 h 27 min
